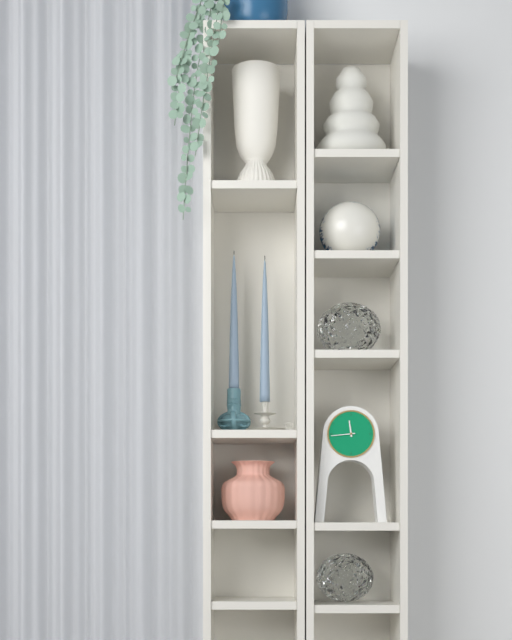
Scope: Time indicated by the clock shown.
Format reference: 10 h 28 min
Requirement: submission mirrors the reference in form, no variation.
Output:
11 h 44 min
